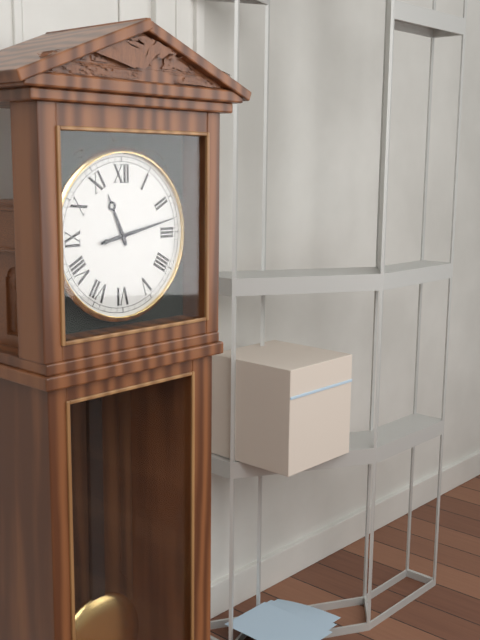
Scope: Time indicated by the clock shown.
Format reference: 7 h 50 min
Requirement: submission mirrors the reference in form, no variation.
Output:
11 h 13 min
